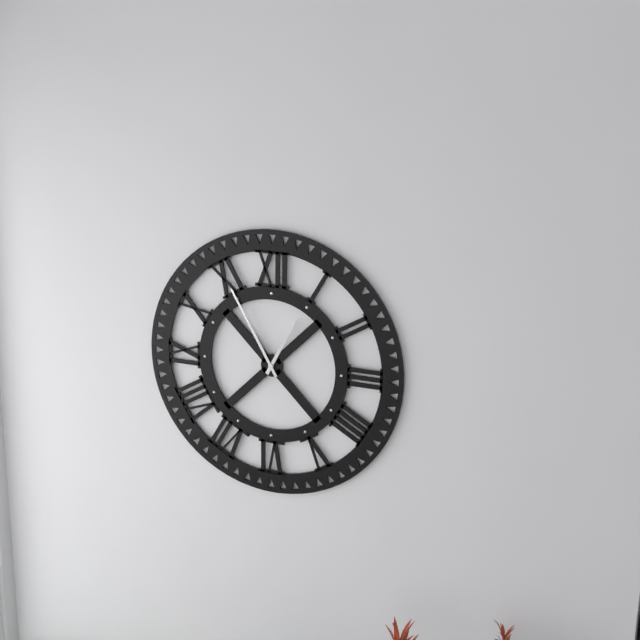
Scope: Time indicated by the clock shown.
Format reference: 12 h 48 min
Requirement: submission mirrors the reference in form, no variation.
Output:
12 h 55 min
